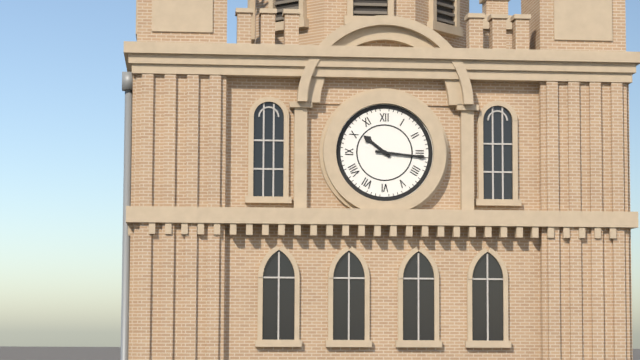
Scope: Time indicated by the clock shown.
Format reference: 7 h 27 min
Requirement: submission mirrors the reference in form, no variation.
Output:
10 h 16 min
